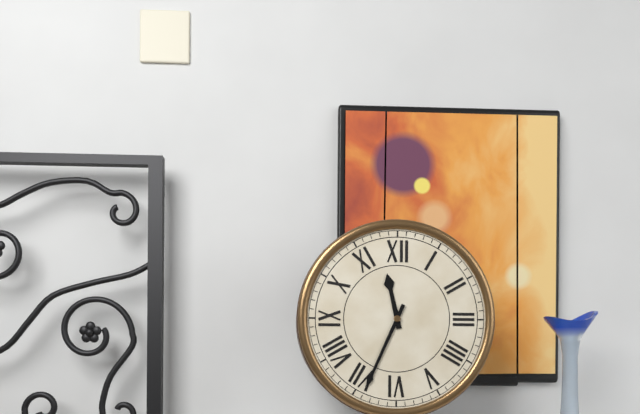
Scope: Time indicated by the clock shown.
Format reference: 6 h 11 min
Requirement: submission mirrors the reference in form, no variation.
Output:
11 h 34 min
